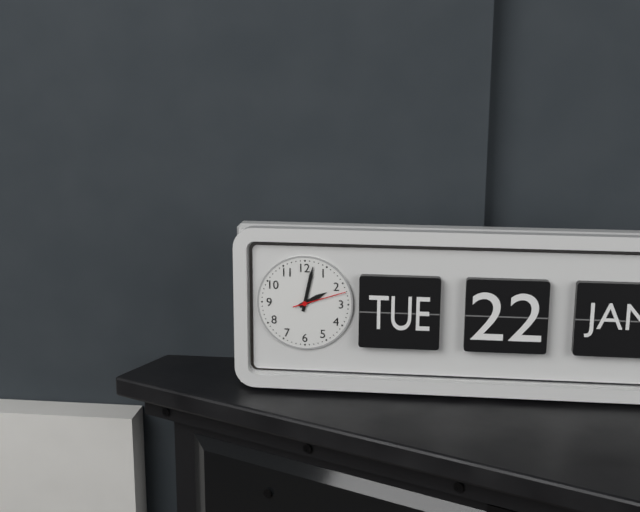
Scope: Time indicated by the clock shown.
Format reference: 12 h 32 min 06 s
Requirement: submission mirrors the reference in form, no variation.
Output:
2 h 02 min 12 s
